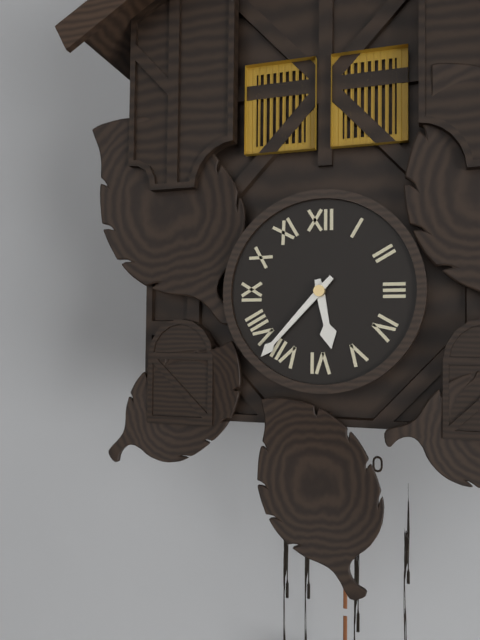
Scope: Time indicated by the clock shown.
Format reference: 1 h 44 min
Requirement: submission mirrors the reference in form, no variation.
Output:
5 h 37 min
